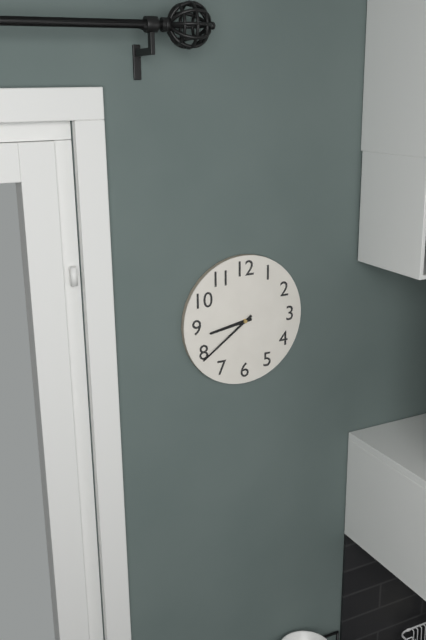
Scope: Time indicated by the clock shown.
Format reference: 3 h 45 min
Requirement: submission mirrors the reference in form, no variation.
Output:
8 h 39 min
